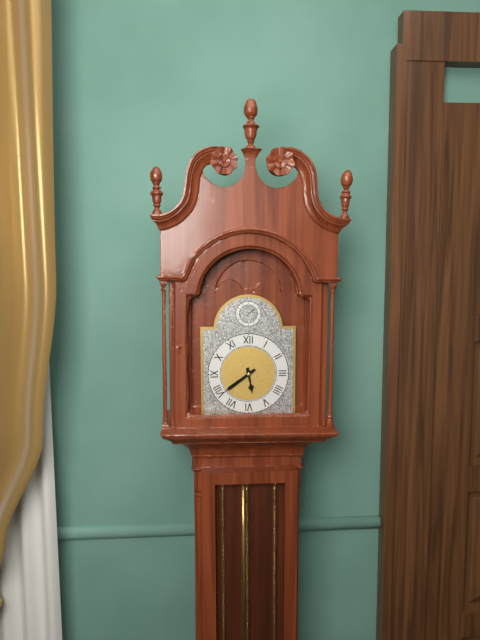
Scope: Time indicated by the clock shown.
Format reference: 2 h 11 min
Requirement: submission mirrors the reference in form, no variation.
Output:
5 h 39 min
